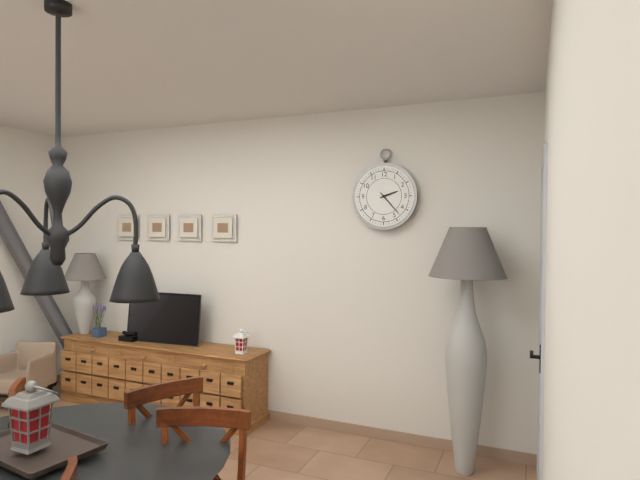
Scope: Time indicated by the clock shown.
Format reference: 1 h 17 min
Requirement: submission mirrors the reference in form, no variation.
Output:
2 h 23 min
